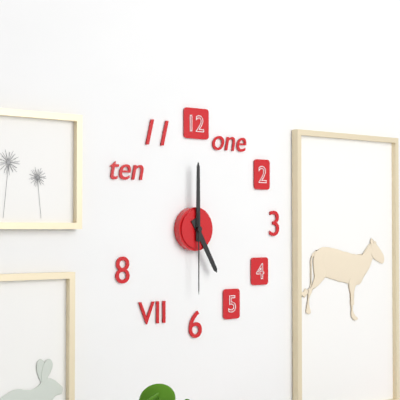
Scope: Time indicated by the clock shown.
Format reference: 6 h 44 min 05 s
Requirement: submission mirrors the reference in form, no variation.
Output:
5 h 00 min 30 s
